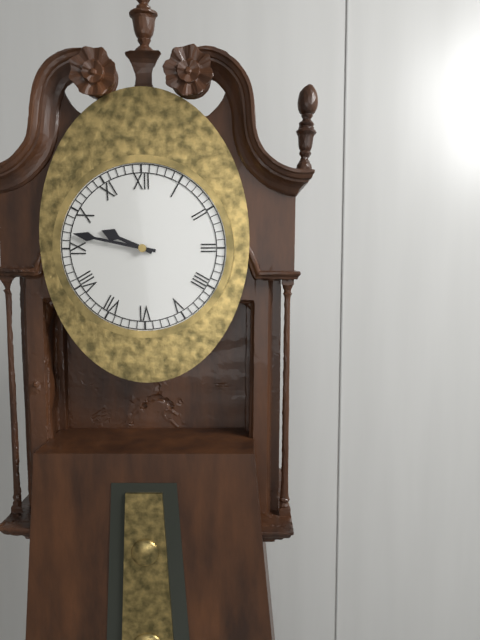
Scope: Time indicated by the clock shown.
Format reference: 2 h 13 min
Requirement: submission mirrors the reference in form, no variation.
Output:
9 h 47 min
